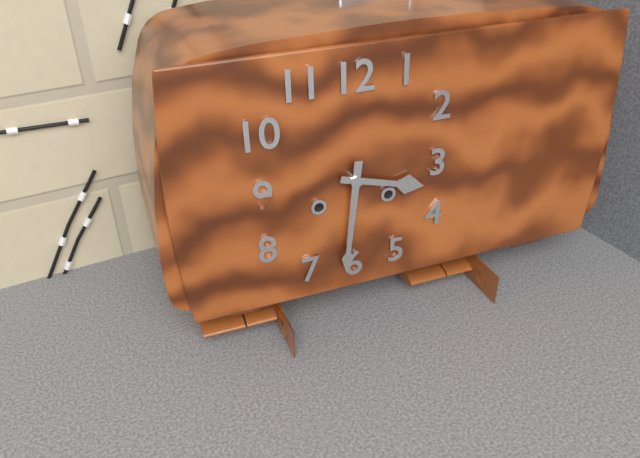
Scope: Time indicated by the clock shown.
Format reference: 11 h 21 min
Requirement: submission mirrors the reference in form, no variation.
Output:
3 h 31 min
